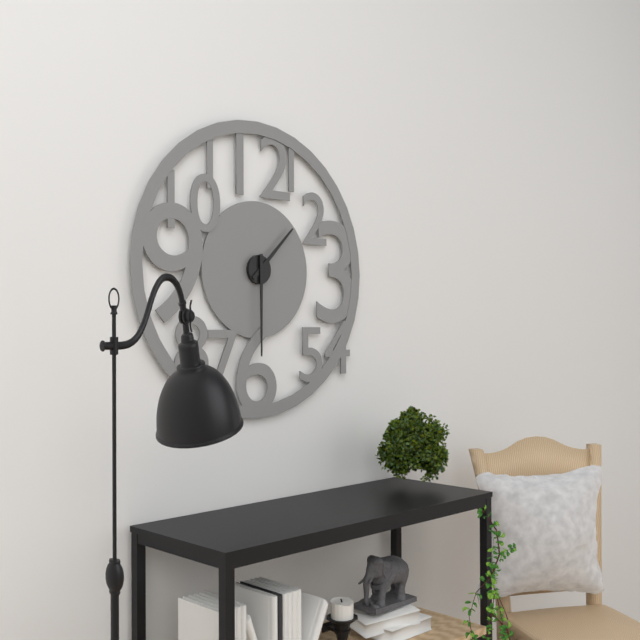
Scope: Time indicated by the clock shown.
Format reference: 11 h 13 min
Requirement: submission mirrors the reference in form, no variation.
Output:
1 h 30 min
